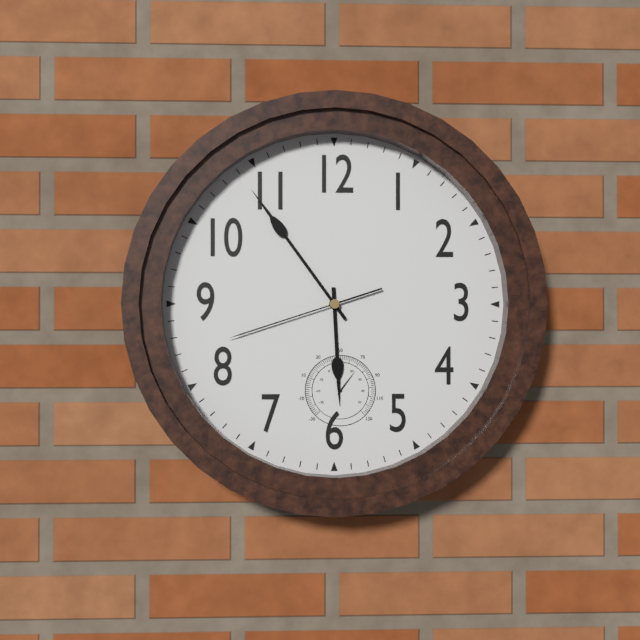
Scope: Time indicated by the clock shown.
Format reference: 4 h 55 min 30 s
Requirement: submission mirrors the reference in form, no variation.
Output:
5 h 54 min 42 s
